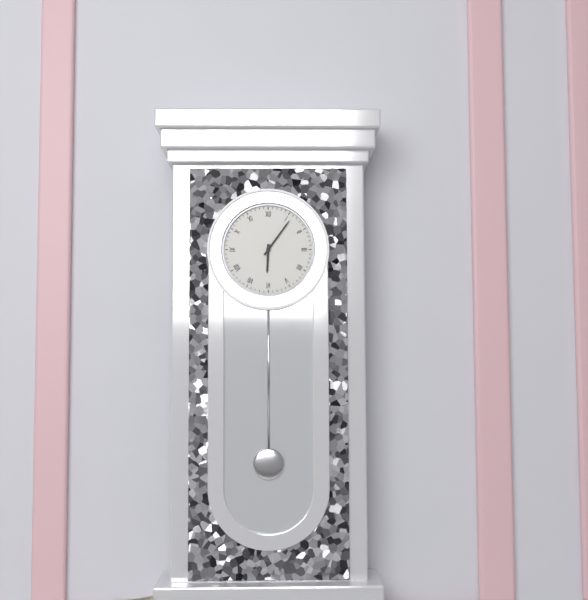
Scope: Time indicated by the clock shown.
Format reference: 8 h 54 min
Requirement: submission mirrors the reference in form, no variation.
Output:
6 h 06 min
